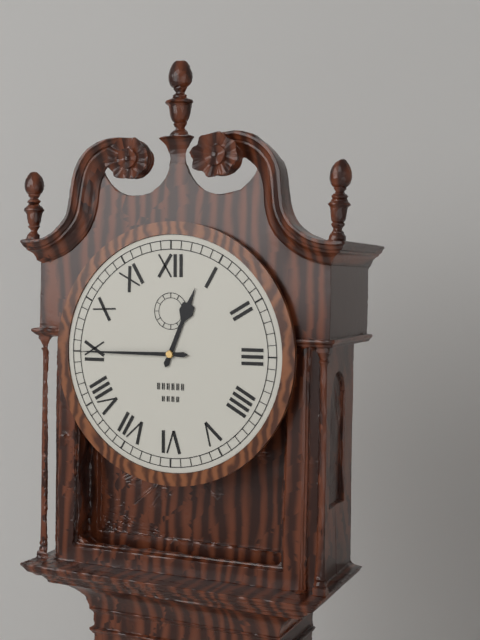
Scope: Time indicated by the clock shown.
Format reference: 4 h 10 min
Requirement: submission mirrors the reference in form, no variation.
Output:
12 h 45 min
